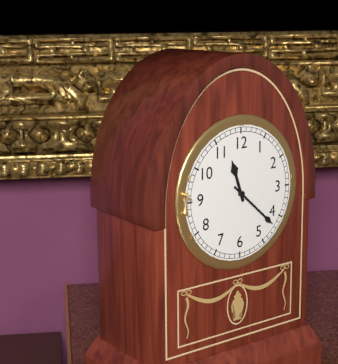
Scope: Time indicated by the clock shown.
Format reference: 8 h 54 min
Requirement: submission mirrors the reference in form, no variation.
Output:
11 h 22 min
